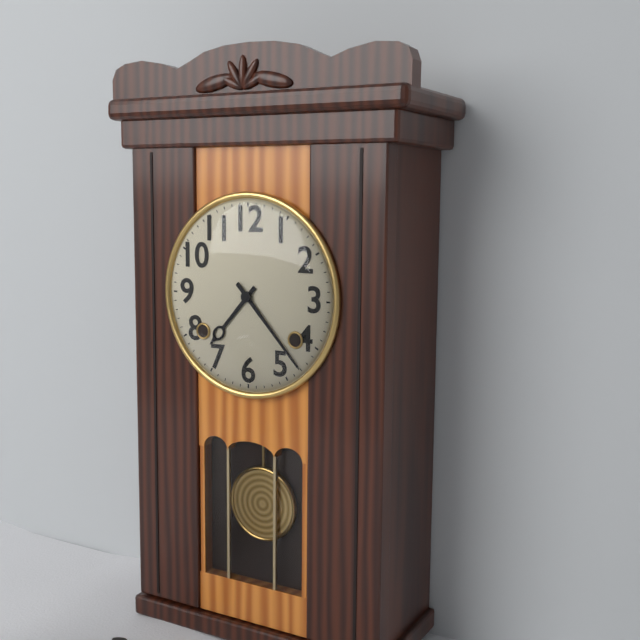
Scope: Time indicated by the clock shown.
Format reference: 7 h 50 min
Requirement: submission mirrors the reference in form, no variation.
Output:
7 h 23 min
